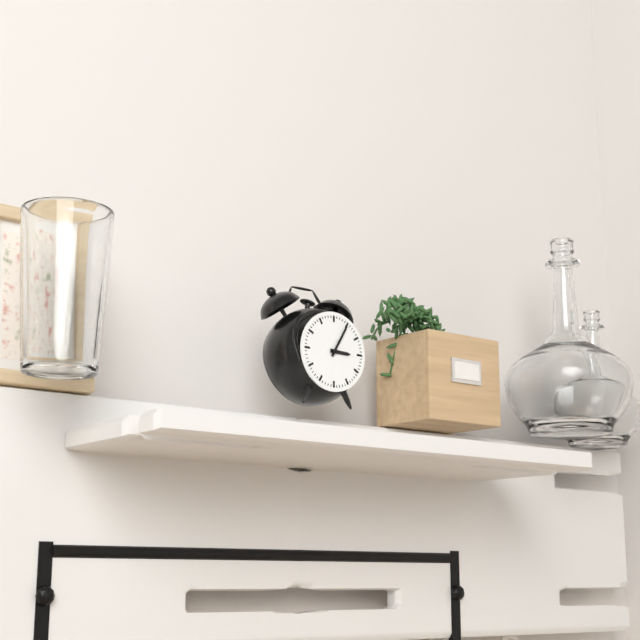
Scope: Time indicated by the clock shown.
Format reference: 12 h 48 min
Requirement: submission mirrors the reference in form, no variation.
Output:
3 h 05 min
